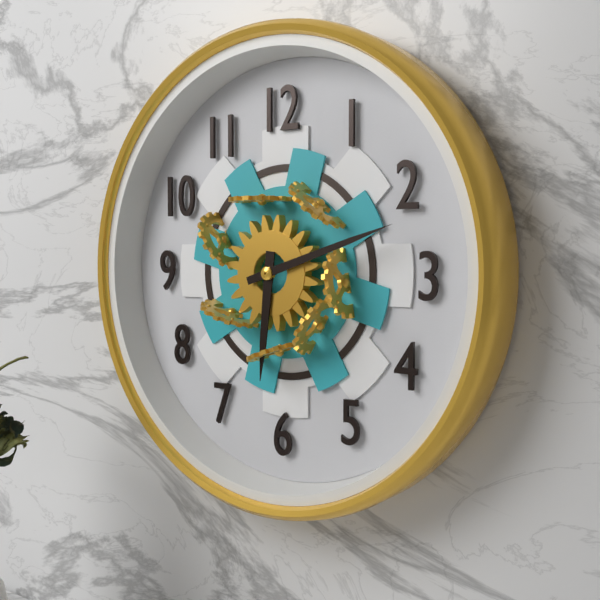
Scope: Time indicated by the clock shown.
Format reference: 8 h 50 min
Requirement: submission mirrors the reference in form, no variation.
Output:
6 h 12 min
